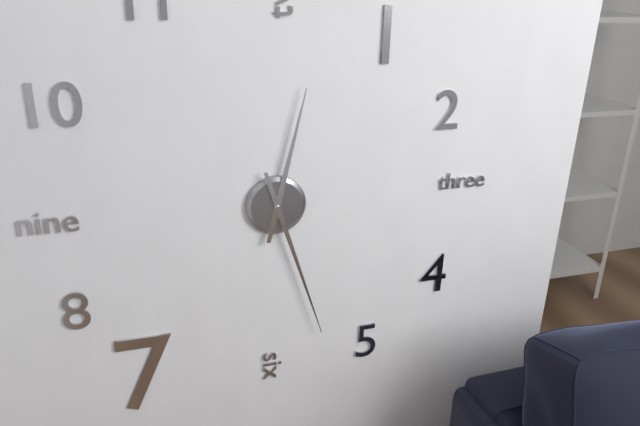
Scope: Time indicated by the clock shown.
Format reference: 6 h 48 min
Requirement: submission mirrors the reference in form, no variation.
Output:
12 h 27 min
